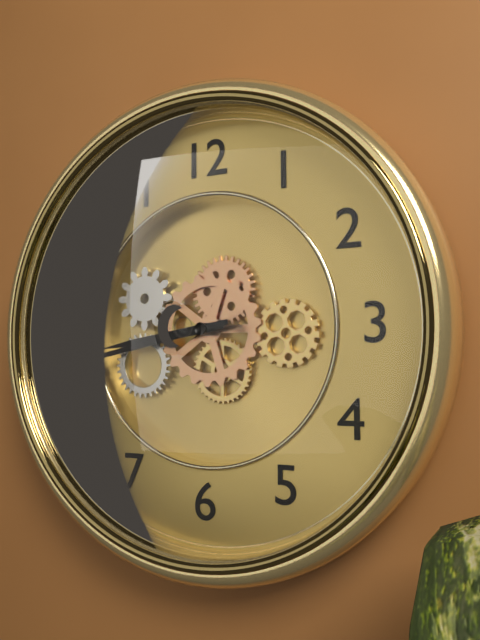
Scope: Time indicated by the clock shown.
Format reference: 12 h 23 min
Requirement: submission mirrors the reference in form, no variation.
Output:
8 h 43 min
